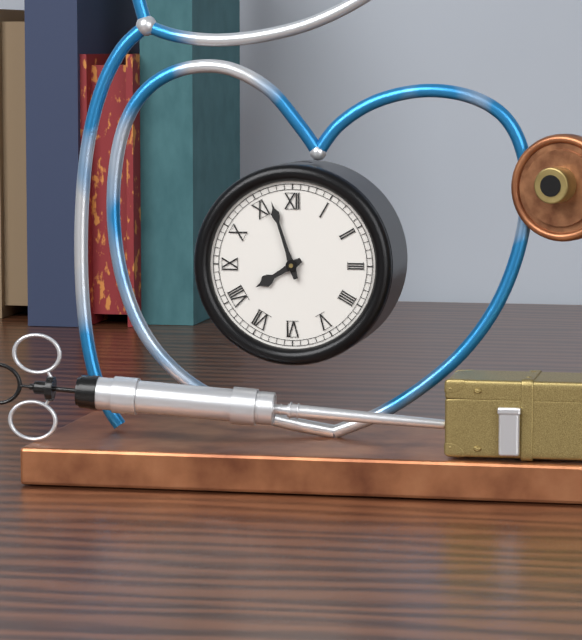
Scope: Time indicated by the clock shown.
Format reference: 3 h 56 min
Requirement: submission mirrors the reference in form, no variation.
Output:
7 h 57 min
